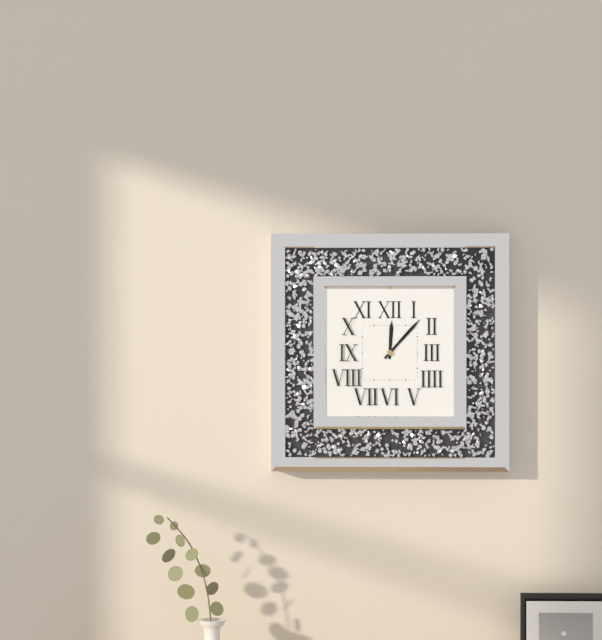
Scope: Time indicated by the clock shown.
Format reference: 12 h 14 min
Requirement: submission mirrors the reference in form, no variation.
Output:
12 h 07 min
